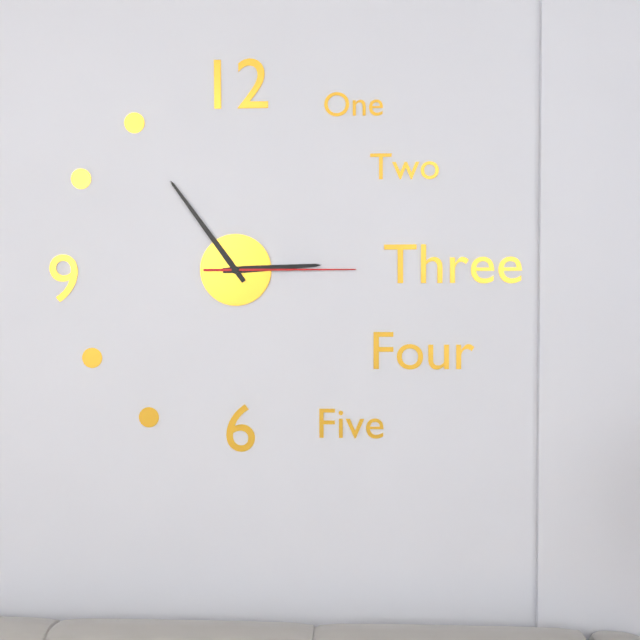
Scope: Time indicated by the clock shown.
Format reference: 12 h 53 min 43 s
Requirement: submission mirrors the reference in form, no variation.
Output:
2 h 54 min 15 s
